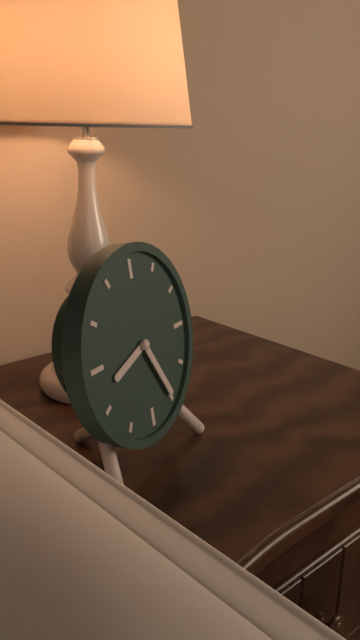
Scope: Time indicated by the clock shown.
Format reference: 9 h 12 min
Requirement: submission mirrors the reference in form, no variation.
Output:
8 h 25 min
